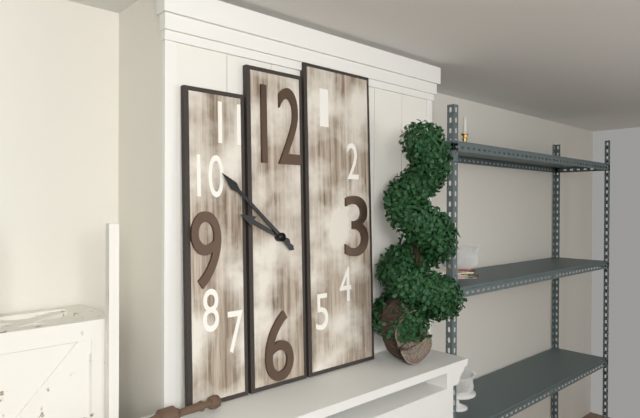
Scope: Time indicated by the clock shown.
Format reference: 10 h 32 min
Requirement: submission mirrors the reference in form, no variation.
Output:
9 h 52 min
